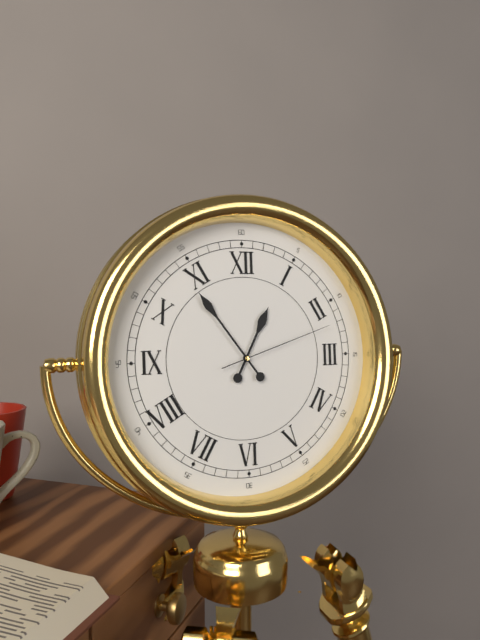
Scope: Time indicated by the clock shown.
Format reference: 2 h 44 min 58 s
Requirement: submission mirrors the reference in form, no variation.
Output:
12 h 54 min 12 s
